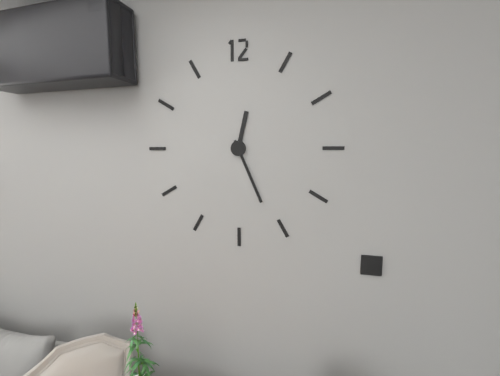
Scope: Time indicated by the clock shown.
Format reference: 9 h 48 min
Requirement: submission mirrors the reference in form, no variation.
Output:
12 h 26 min
